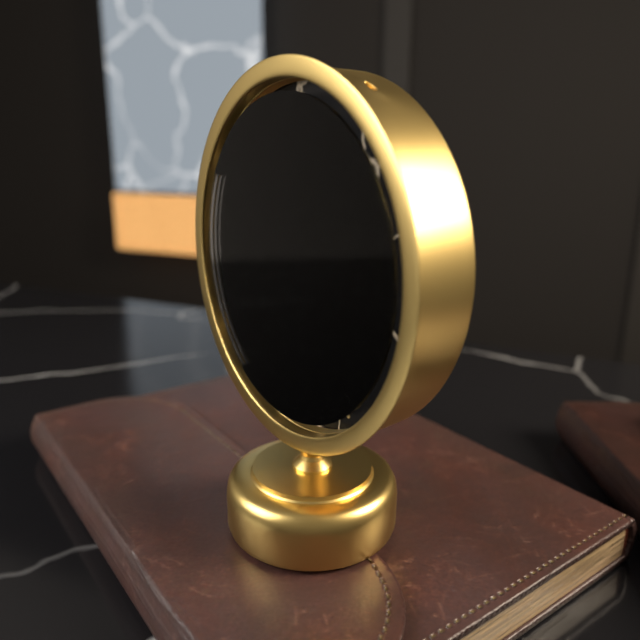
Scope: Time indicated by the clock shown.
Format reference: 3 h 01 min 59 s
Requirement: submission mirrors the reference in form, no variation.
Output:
10 h 01 min 56 s
